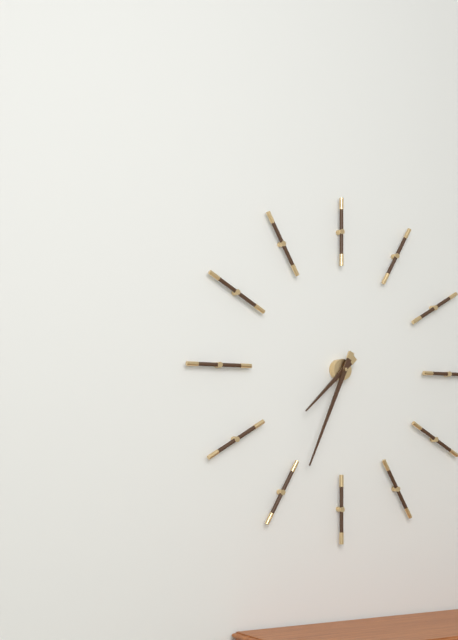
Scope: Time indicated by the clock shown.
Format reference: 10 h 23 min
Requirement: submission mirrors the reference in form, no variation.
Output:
7 h 34 min
